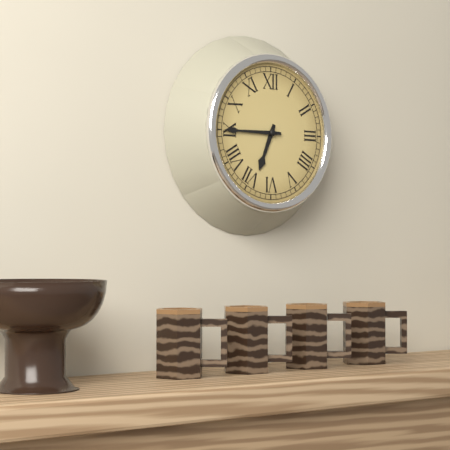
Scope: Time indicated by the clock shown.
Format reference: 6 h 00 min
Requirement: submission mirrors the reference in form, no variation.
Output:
6 h 45 min
